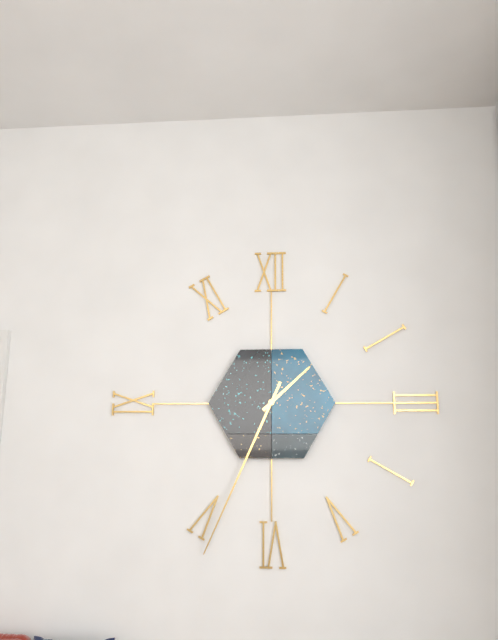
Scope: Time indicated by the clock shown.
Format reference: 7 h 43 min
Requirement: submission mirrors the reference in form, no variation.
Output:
1 h 34 min
